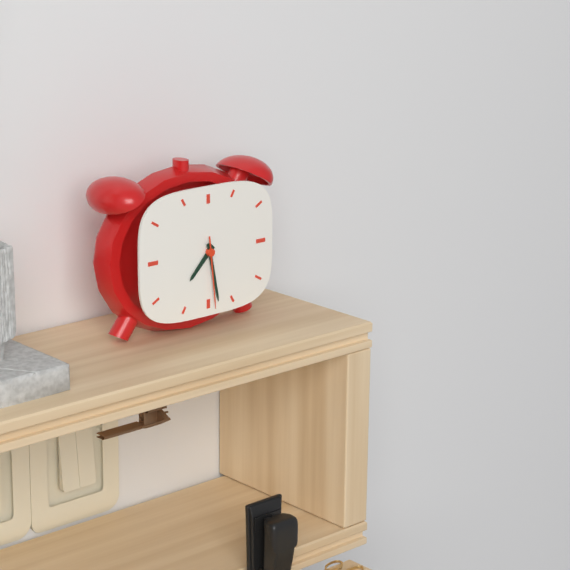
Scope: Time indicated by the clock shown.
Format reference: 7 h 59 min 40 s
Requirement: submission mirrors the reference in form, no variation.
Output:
7 h 28 min 29 s
